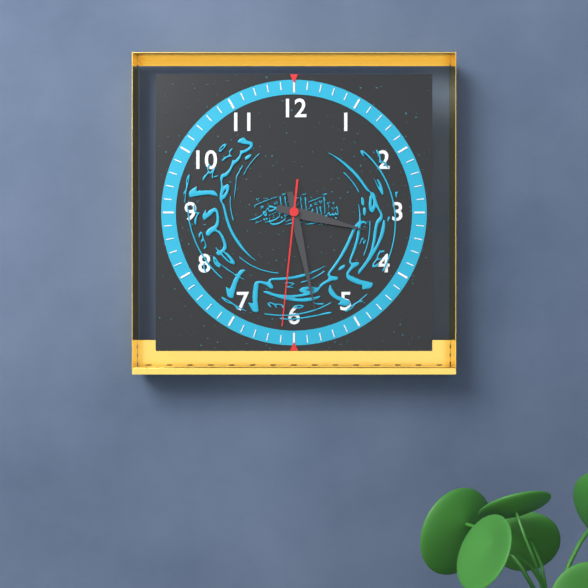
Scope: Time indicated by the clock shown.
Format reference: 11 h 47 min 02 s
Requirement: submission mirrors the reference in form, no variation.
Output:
3 h 28 min 31 s
